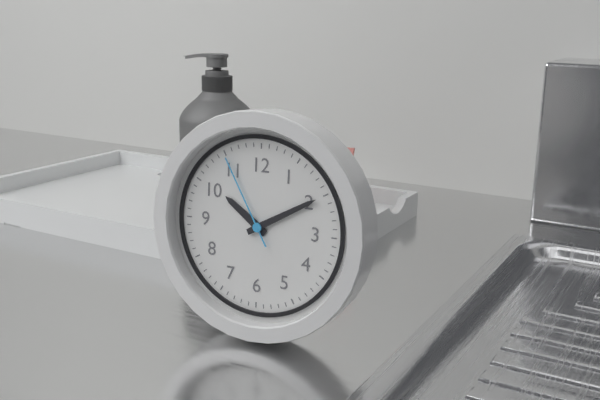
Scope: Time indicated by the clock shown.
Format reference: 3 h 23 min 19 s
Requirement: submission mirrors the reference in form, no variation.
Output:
10 h 10 min 55 s
